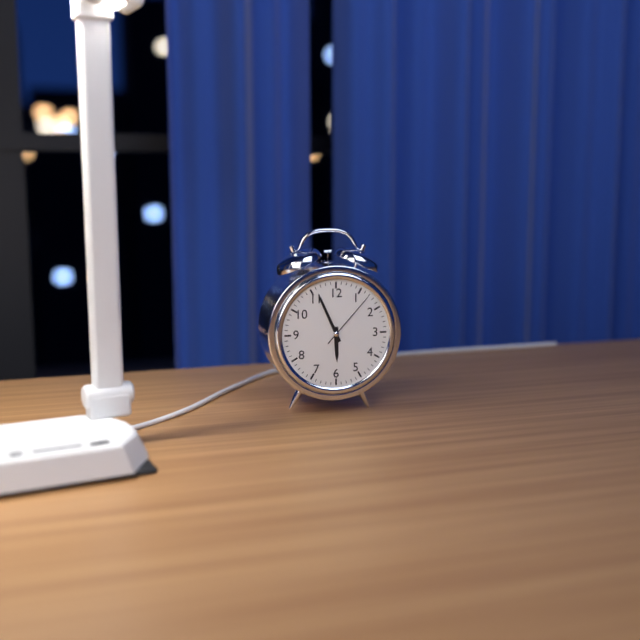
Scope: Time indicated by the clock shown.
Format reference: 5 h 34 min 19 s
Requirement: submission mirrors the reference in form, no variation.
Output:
5 h 56 min 07 s
